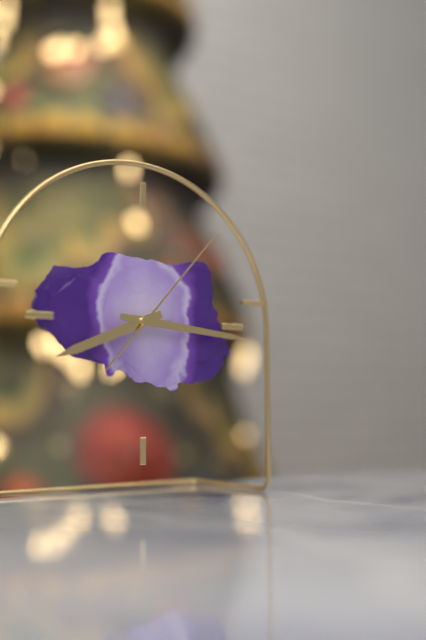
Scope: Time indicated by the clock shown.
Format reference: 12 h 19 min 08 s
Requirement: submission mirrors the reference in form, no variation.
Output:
8 h 16 min 07 s
